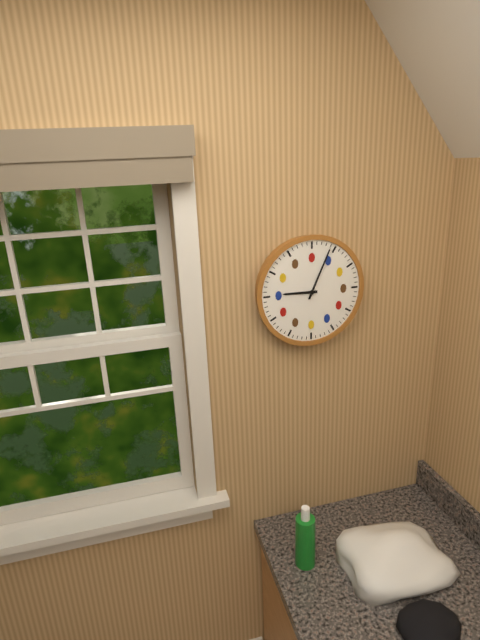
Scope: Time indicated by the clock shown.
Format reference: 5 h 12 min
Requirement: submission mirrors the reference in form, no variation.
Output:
9 h 04 min
